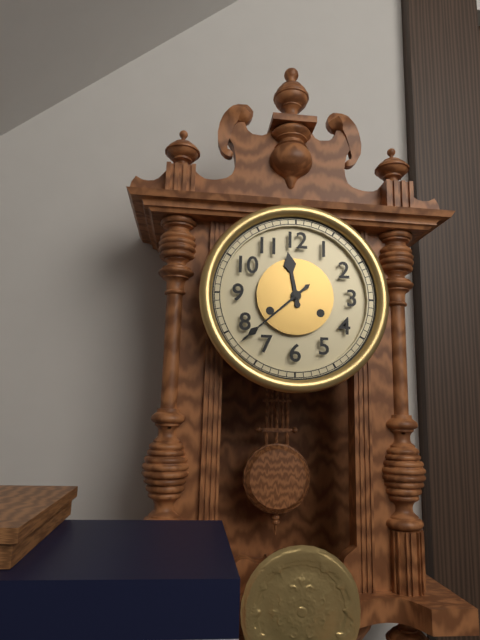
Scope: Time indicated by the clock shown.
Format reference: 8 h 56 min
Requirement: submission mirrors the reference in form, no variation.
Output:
11 h 38 min
